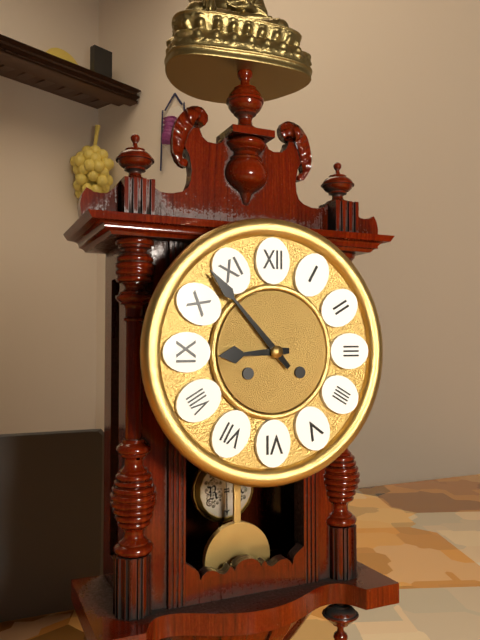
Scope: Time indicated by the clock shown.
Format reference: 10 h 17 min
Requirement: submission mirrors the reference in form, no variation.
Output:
8 h 53 min
